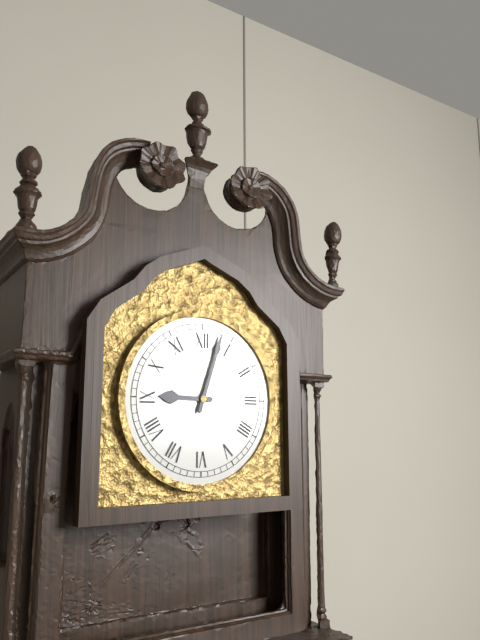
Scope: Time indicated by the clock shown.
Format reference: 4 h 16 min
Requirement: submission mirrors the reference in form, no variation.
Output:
9 h 03 min
